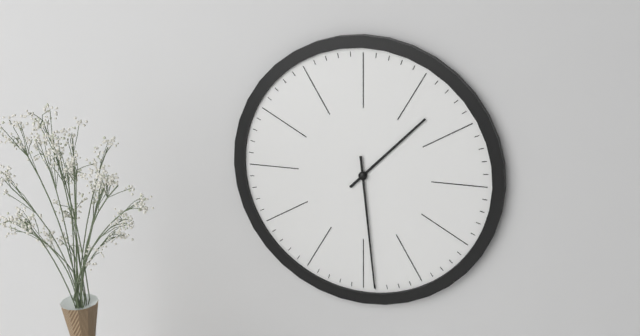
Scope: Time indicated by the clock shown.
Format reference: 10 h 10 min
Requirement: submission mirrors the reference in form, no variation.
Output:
1 h 29 min
